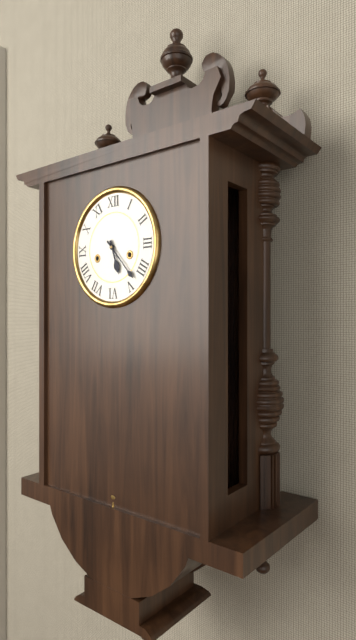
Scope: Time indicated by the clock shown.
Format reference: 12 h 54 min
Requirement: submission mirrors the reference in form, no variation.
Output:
5 h 23 min
